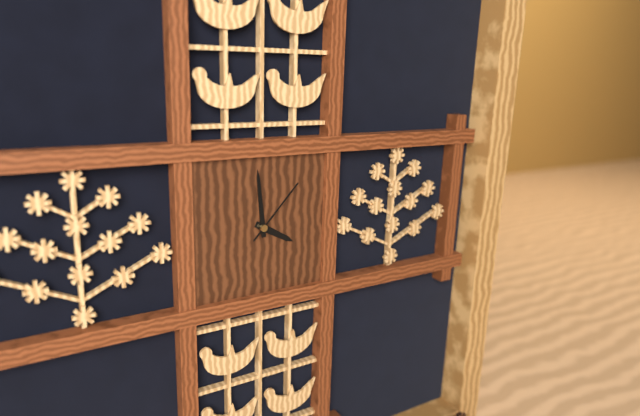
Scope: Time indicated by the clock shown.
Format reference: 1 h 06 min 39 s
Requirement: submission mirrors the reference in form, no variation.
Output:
3 h 59 min 07 s
